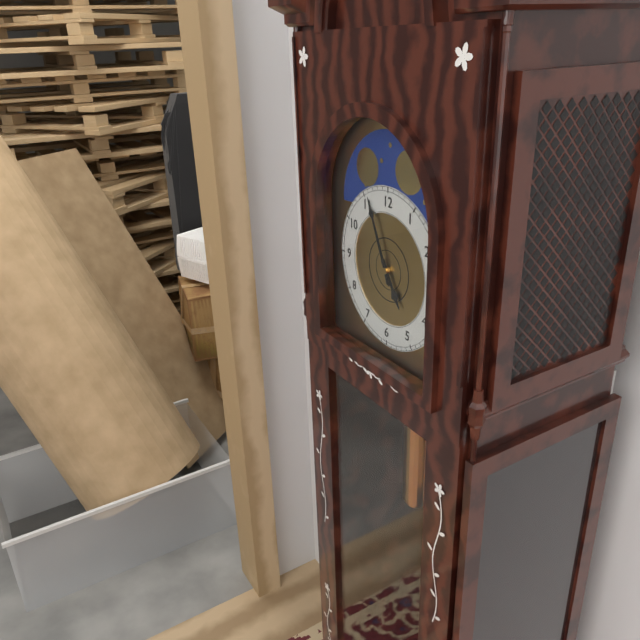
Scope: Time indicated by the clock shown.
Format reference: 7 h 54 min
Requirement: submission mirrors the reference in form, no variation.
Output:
4 h 56 min
